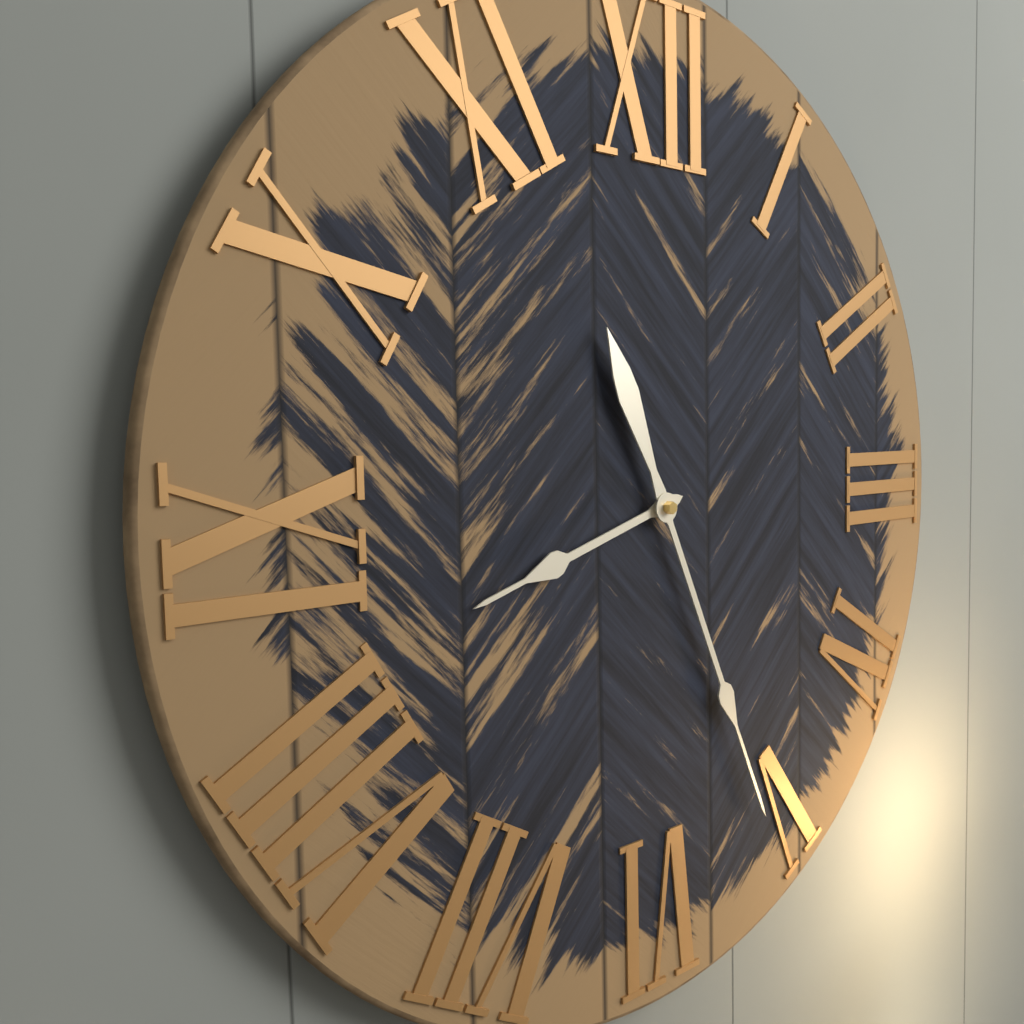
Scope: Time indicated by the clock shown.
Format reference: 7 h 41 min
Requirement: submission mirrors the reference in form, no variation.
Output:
8 h 26 min
